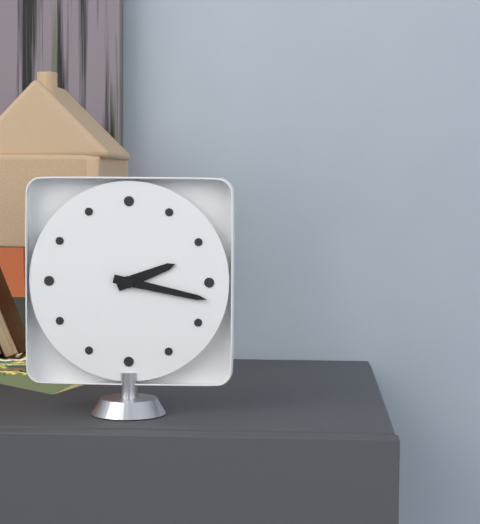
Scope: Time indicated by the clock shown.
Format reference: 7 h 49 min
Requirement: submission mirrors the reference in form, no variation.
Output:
2 h 17 min
